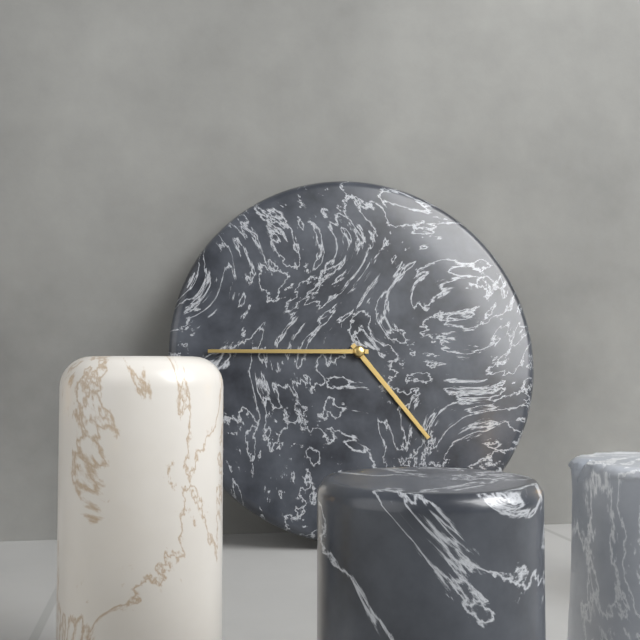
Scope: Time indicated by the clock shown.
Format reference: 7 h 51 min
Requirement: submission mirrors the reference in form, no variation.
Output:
4 h 45 min
